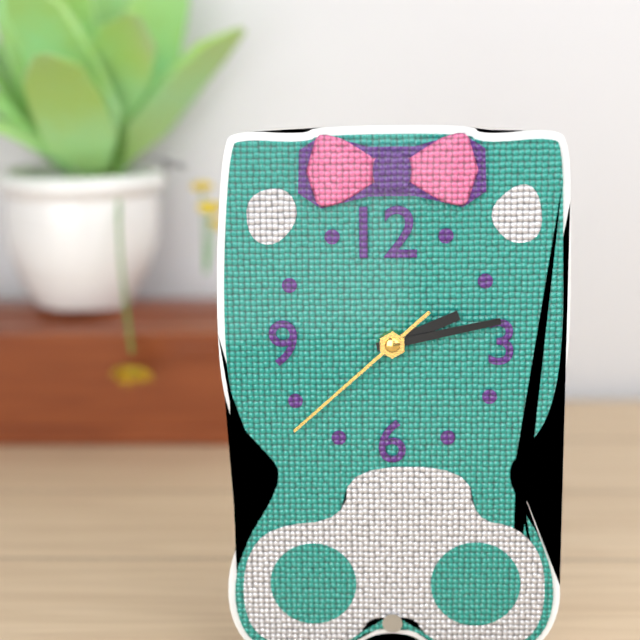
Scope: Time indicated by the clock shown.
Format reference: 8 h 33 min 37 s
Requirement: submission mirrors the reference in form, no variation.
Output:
2 h 13 min 38 s
